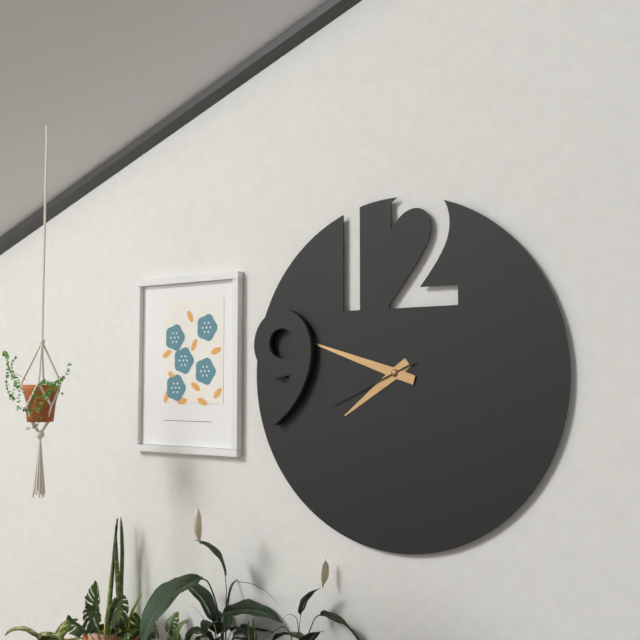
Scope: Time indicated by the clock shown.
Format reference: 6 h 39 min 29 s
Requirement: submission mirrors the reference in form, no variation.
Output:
7 h 48 min 41 s
